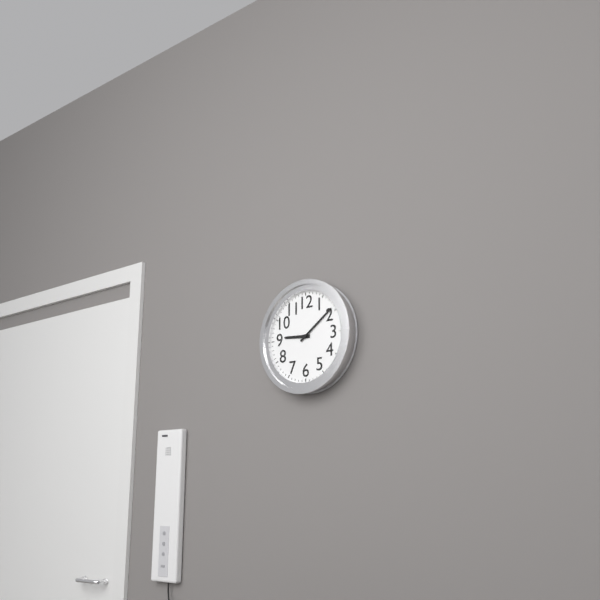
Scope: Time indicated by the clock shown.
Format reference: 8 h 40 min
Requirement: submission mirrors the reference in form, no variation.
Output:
9 h 09 min
